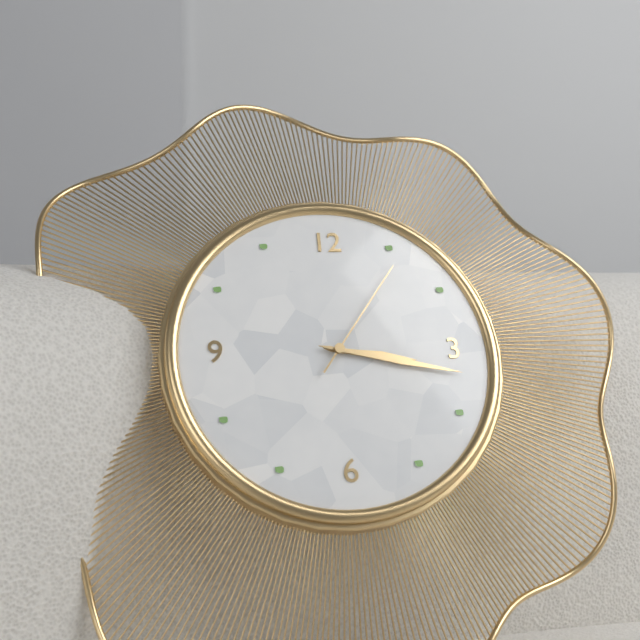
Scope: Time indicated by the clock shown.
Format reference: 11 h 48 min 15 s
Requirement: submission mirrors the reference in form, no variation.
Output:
3 h 17 min 06 s
